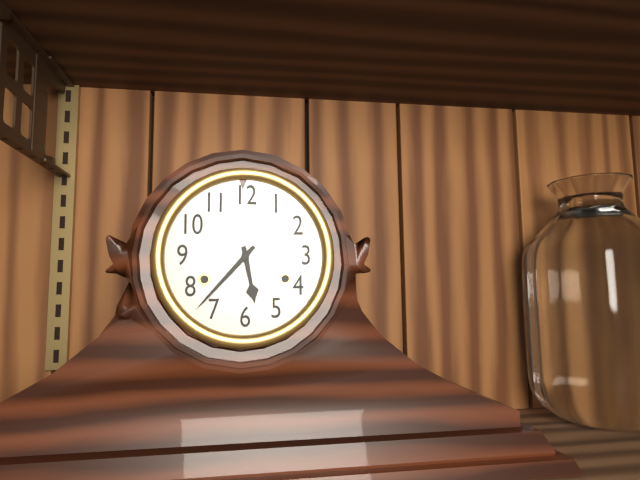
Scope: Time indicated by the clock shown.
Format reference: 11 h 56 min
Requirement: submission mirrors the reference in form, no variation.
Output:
5 h 37 min
